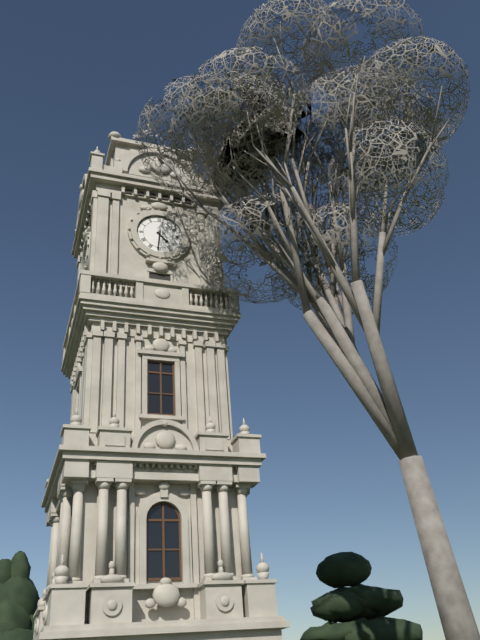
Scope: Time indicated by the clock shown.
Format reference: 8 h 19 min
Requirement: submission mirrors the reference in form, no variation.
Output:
4 h 31 min
